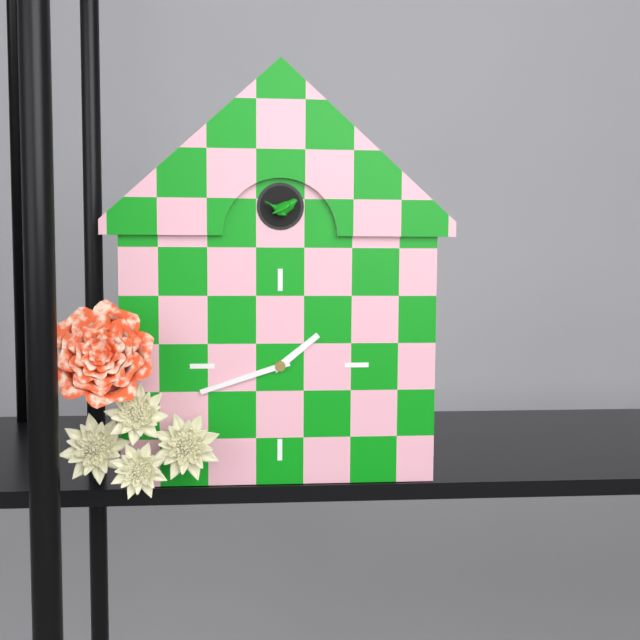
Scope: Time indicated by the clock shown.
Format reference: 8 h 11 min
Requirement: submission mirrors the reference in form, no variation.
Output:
1 h 42 min
